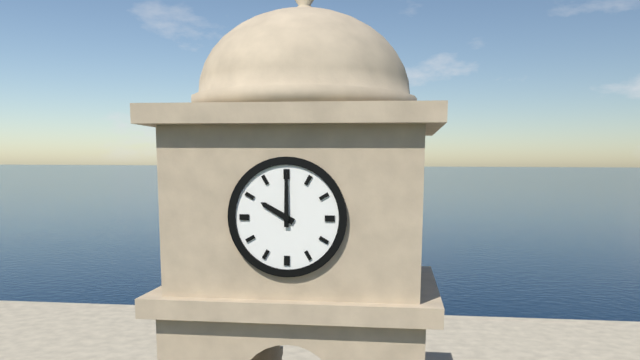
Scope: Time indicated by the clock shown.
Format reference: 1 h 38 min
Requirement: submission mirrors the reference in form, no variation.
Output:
10 h 00 min
